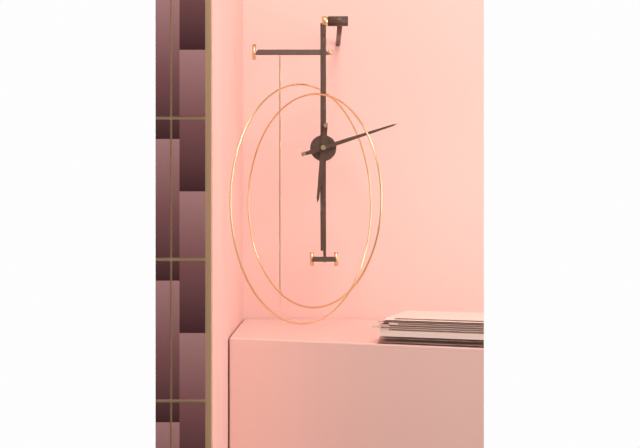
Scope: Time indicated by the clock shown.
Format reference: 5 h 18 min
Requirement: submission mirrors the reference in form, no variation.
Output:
6 h 12 min
